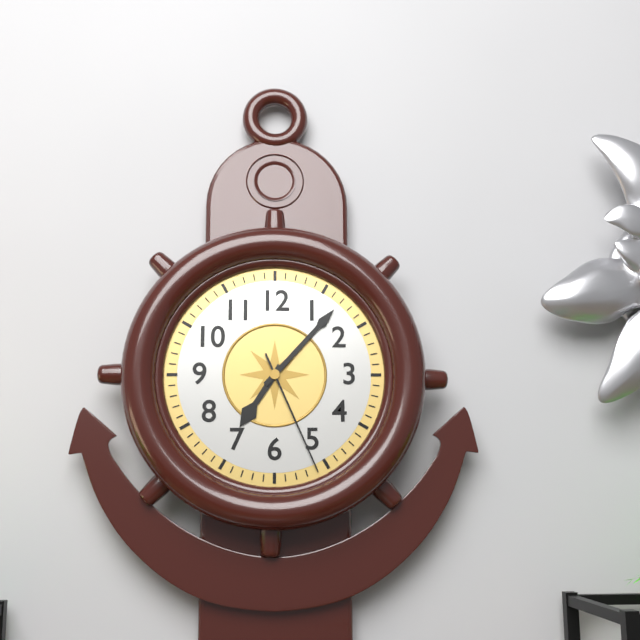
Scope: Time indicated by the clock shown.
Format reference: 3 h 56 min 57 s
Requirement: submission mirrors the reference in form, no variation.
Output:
7 h 07 min 26 s
